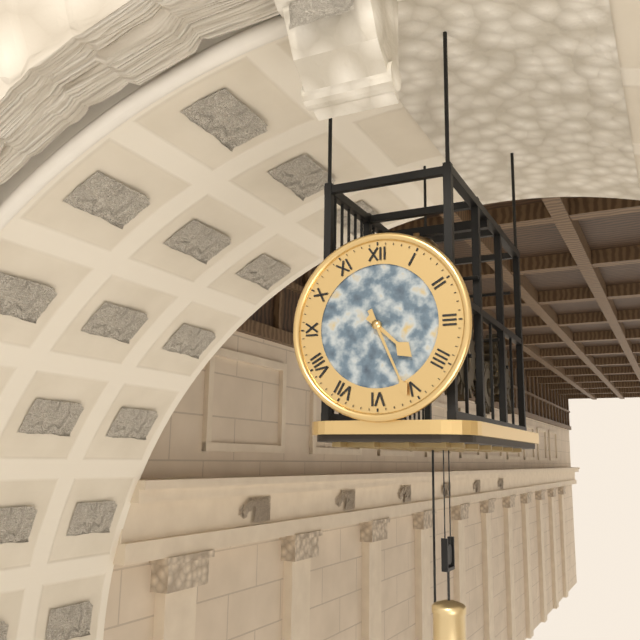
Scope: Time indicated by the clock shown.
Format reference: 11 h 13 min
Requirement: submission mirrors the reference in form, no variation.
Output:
4 h 26 min
